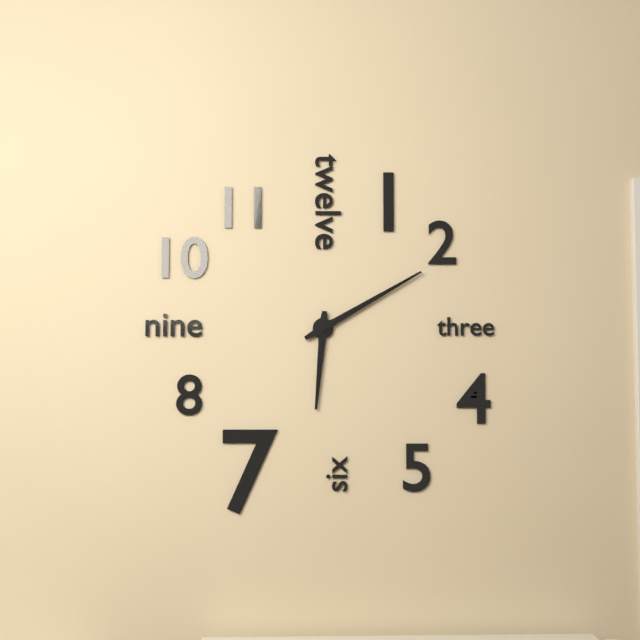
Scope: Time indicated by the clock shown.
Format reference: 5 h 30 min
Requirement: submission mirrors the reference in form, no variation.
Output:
6 h 10 min
